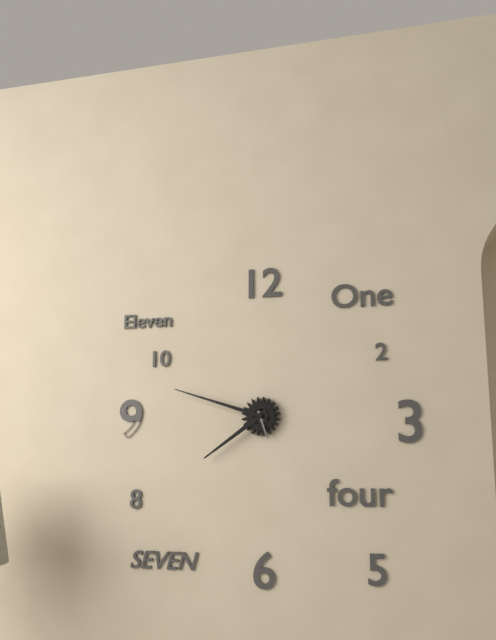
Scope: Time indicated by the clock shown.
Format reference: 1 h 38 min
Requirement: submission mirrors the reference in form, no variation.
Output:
7 h 48 min
